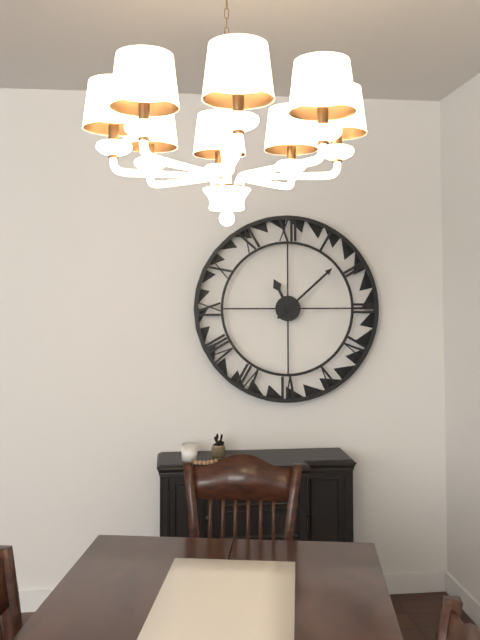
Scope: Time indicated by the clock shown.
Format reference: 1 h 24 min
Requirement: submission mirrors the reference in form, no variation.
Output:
11 h 08 min
